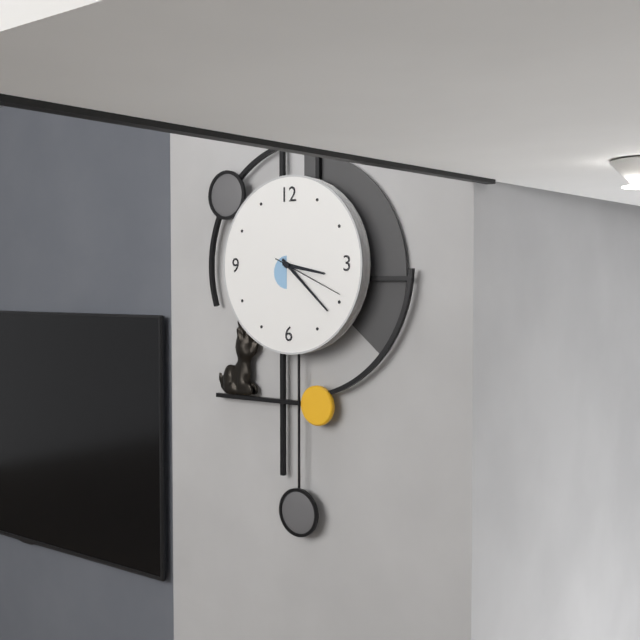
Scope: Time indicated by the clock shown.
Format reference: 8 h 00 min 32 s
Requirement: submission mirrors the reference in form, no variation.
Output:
3 h 22 min 19 s
